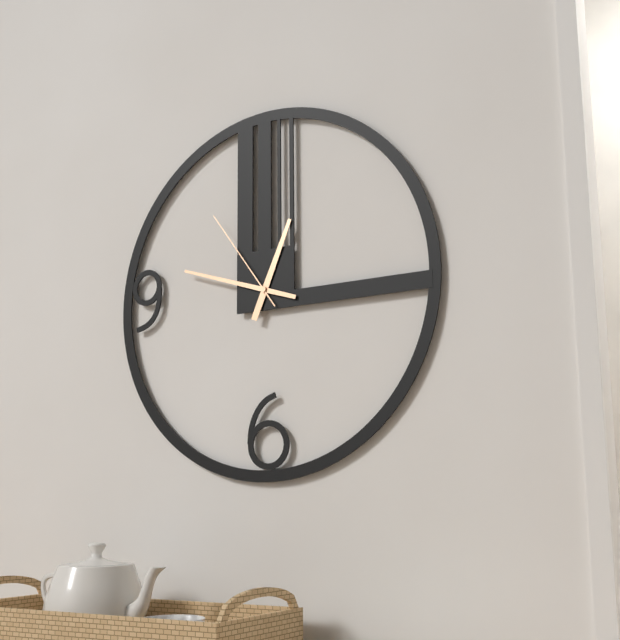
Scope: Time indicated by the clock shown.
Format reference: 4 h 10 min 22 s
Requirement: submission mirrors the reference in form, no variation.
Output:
12 h 48 min 54 s
